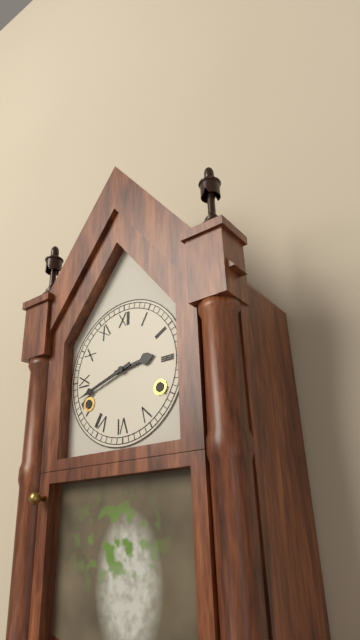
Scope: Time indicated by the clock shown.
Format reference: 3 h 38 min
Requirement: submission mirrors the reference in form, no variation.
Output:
2 h 42 min
